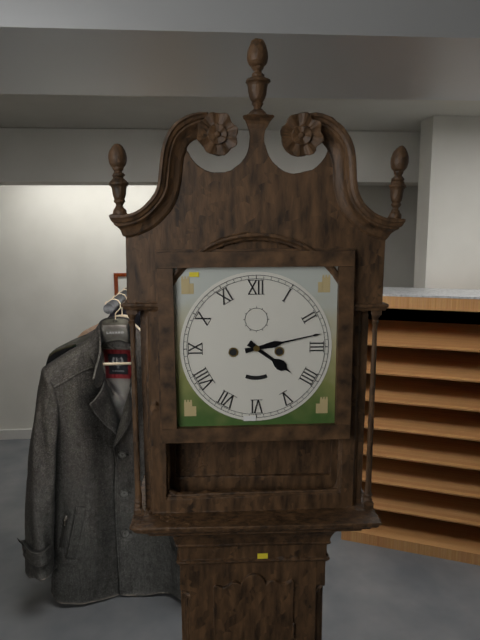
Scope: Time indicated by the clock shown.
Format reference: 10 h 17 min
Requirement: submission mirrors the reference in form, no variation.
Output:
4 h 13 min
